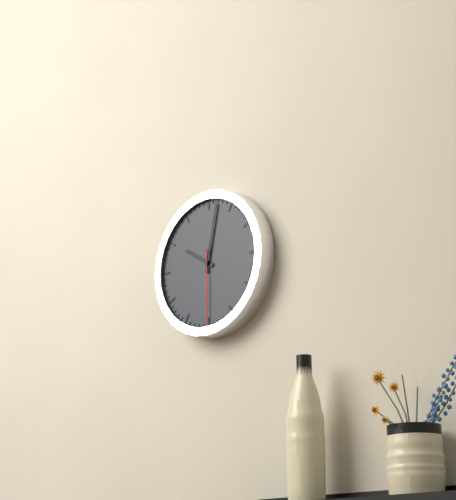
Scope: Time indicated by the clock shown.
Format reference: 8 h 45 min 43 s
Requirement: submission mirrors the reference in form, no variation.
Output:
10 h 02 min 30 s
